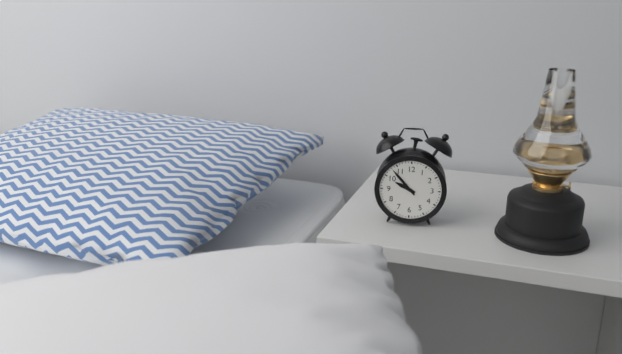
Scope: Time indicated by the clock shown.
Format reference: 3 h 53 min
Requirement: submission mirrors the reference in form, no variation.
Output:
9 h 53 min
